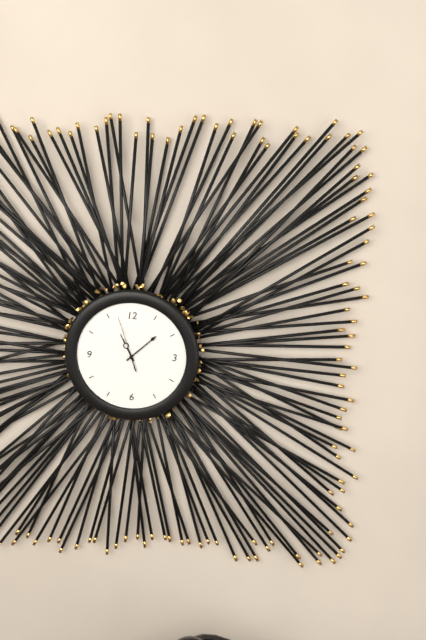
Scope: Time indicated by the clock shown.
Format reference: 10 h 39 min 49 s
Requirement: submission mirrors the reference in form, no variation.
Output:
11 h 08 min 57 s
